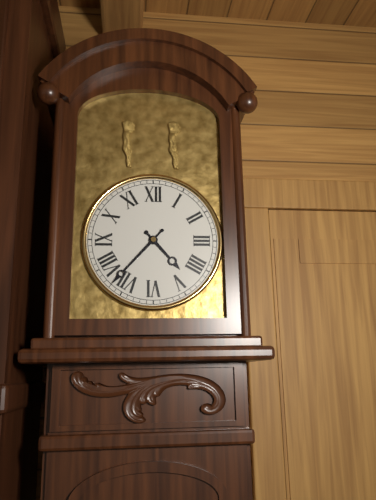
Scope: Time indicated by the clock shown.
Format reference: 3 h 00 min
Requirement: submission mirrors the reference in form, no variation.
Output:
4 h 37 min
